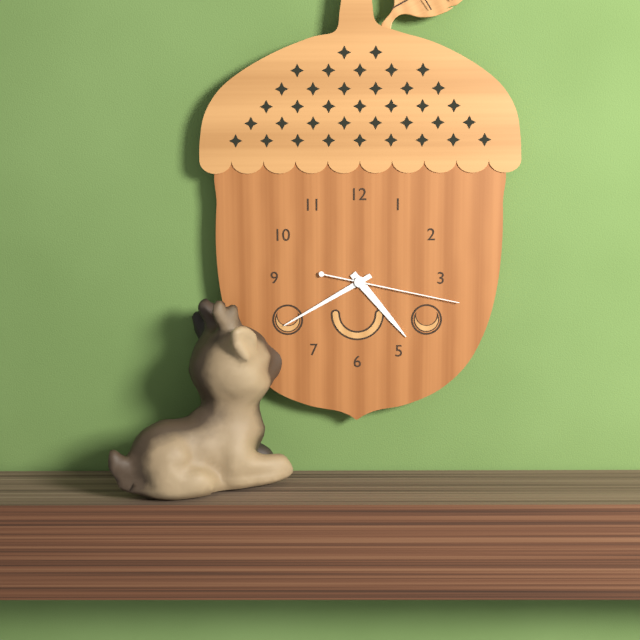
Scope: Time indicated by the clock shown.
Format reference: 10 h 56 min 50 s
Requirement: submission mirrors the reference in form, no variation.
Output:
4 h 40 min 17 s
